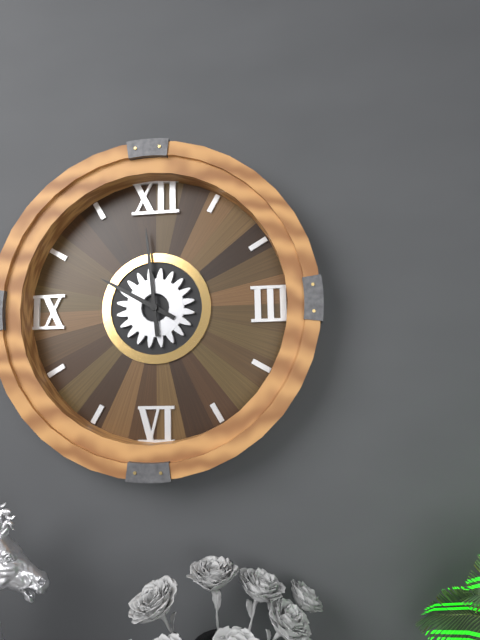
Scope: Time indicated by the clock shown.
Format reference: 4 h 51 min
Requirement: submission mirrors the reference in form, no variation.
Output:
9 h 59 min
